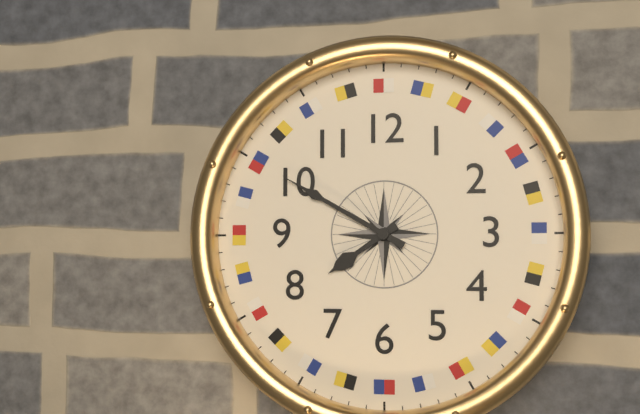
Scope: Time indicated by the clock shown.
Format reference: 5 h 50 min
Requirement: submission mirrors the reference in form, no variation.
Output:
7 h 50 min
